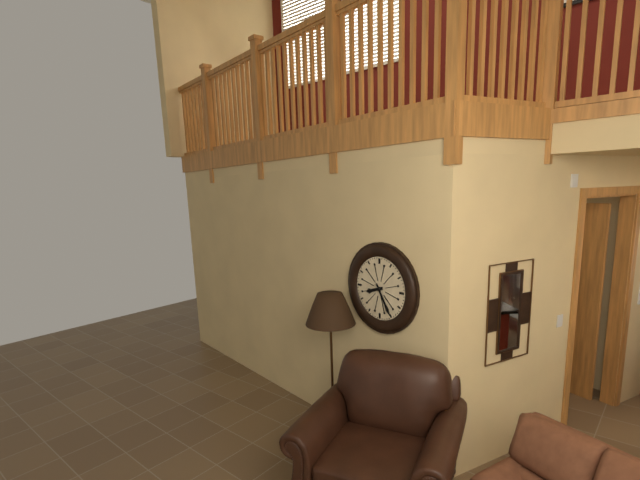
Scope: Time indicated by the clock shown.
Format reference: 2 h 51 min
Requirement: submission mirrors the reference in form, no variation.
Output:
8 h 25 min
